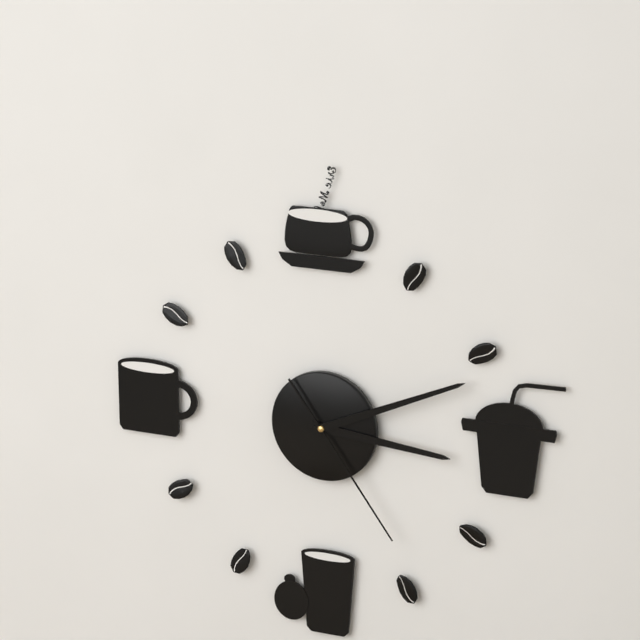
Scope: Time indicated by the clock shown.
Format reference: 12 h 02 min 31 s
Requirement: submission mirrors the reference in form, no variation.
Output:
3 h 11 min 24 s
